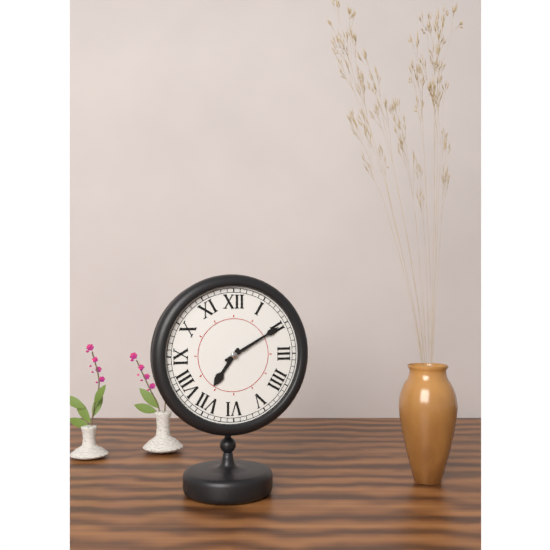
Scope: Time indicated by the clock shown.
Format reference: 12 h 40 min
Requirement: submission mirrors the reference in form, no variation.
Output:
7 h 10 min
